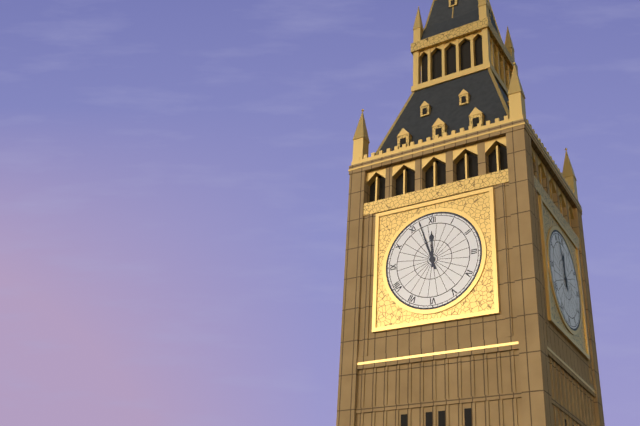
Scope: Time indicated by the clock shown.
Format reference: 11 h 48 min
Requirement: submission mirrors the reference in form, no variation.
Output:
11 h 57 min
